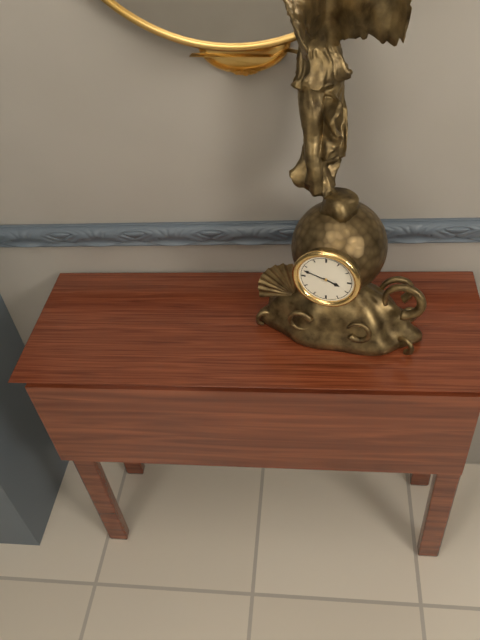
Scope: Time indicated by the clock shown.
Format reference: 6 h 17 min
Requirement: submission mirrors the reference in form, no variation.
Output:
3 h 48 min
